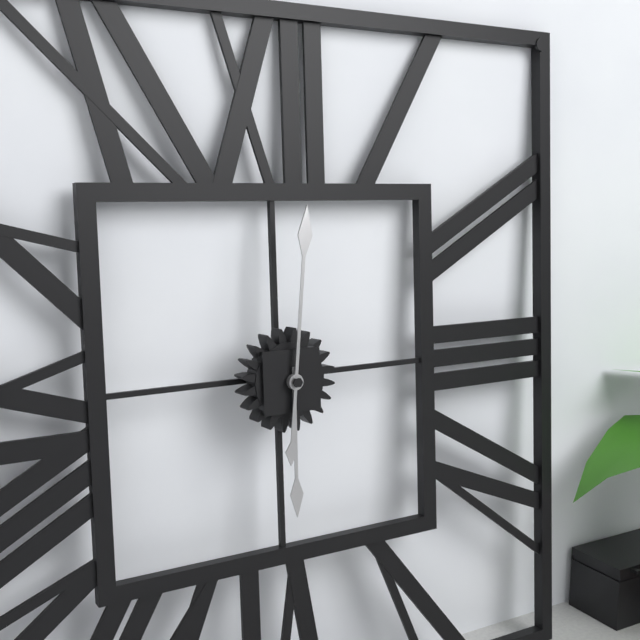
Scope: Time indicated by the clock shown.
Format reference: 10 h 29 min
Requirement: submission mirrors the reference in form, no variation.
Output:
6 h 01 min
